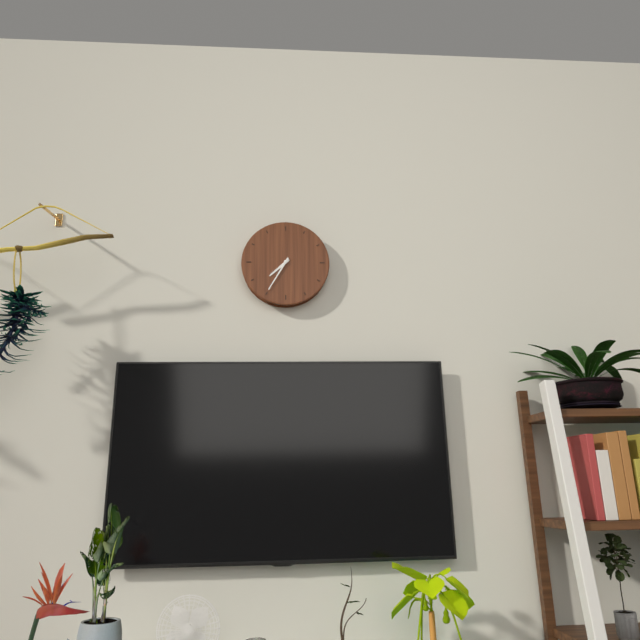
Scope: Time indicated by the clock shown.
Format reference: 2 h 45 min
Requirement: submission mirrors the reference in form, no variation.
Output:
7 h 35 min
